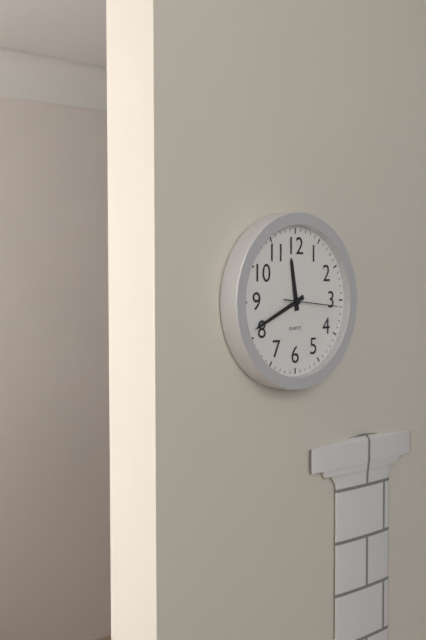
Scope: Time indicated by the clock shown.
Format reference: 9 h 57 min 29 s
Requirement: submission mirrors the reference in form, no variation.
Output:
11 h 41 min 16 s
